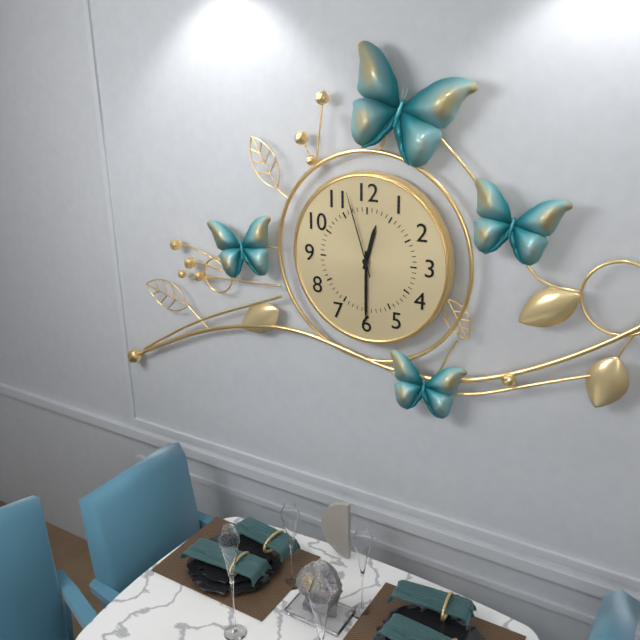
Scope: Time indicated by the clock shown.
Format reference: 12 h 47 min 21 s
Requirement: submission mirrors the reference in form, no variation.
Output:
12 h 30 min 57 s
